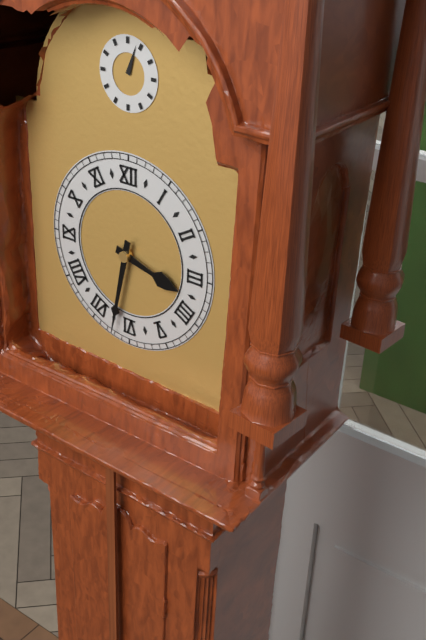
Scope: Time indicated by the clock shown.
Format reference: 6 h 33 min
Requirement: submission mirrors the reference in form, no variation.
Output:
3 h 32 min
